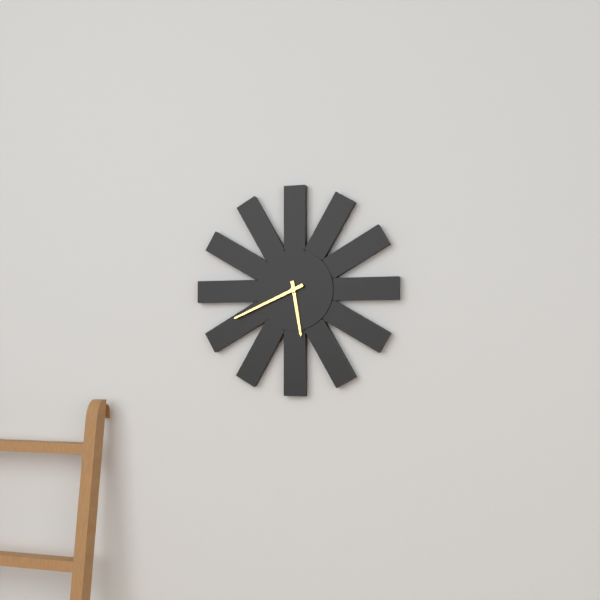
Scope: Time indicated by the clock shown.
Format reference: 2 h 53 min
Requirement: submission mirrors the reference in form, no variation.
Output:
5 h 41 min
